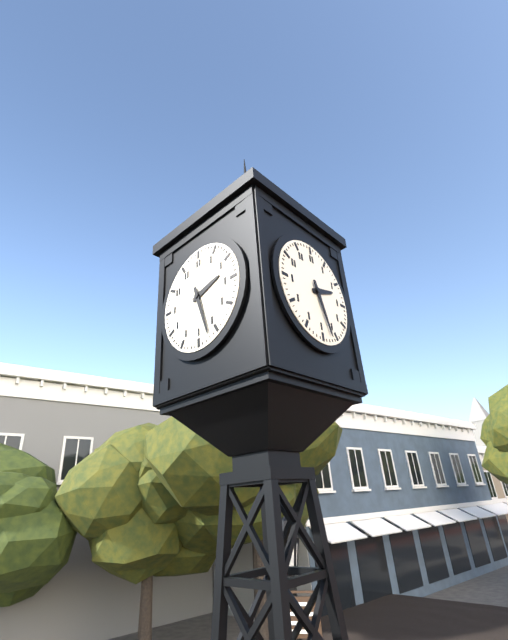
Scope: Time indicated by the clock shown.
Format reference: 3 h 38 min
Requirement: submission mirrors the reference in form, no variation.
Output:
2 h 27 min
